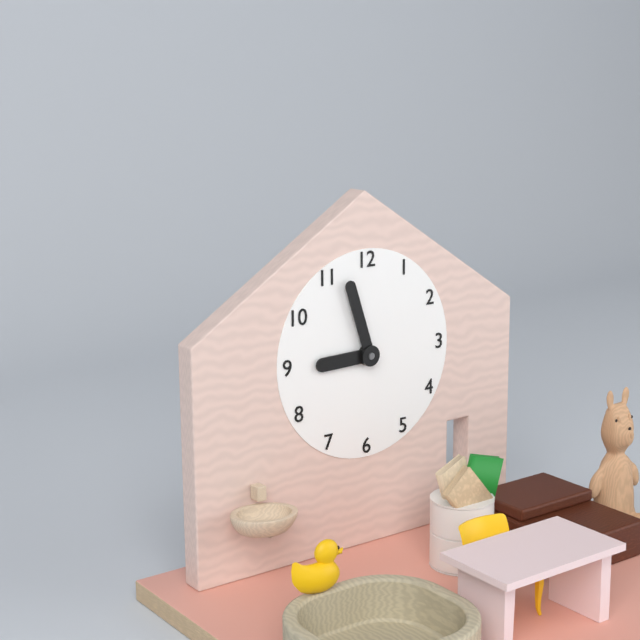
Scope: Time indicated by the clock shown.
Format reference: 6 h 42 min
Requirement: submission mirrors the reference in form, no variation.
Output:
8 h 57 min
